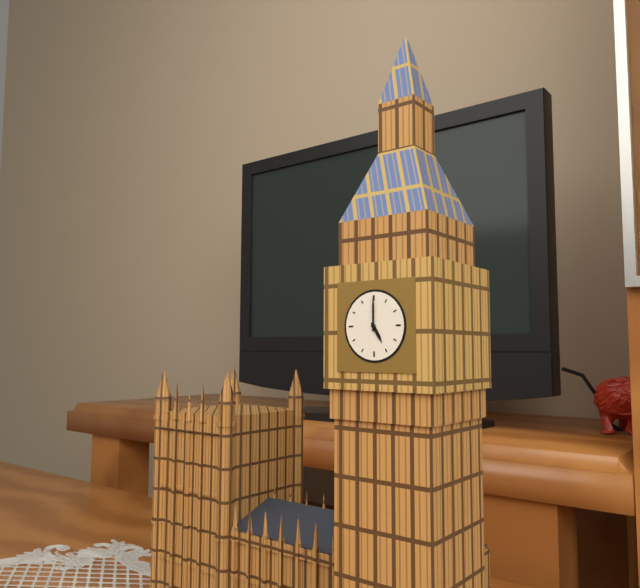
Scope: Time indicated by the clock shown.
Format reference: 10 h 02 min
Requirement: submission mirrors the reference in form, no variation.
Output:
5 h 00 min
